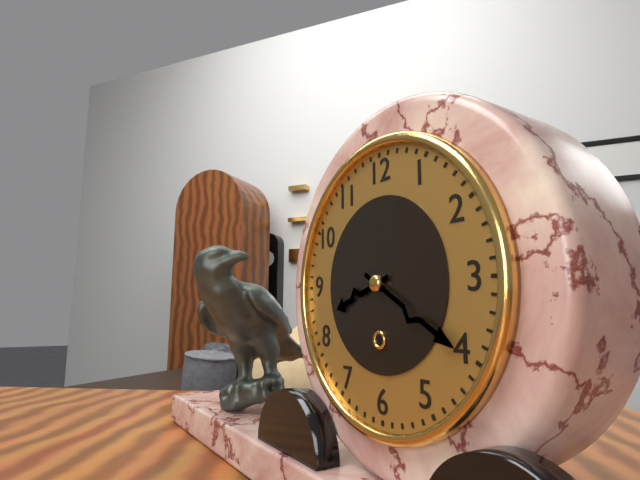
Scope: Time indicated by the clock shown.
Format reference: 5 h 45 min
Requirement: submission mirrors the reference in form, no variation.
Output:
8 h 20 min
